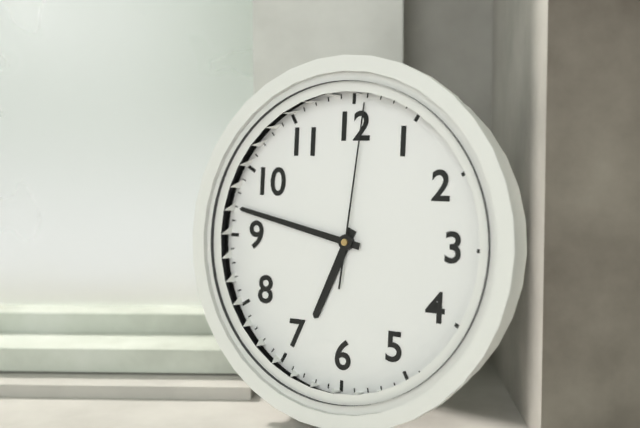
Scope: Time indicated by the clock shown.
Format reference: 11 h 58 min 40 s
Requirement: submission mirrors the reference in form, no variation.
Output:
6 h 47 min 01 s
